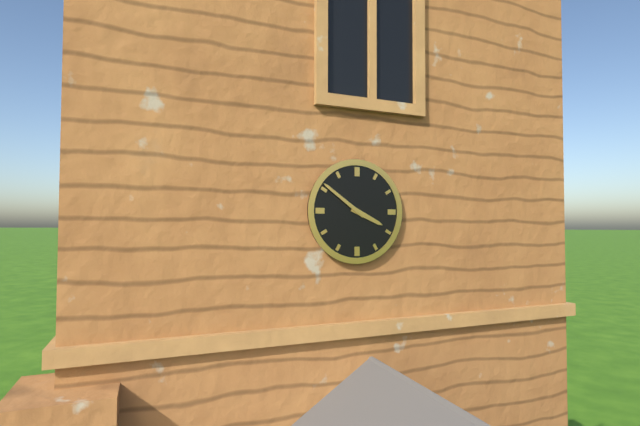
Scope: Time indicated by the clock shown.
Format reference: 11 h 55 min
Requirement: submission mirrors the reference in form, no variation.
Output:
3 h 51 min
